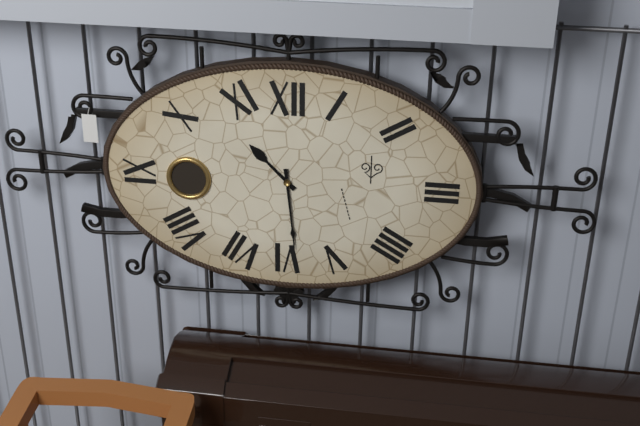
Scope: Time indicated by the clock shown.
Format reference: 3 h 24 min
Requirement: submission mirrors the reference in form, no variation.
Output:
10 h 29 min
